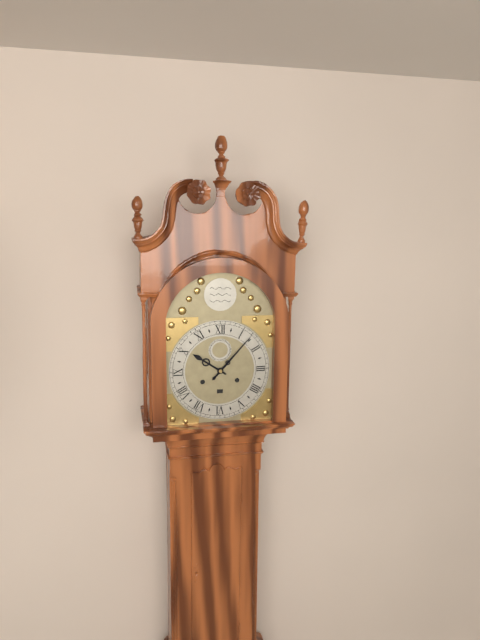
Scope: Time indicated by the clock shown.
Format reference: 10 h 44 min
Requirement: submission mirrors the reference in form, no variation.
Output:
10 h 07 min
